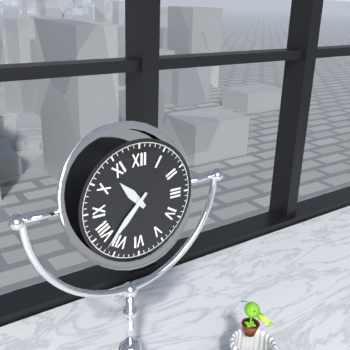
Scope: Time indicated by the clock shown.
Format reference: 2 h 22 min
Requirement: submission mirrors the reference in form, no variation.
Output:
10 h 37 min
